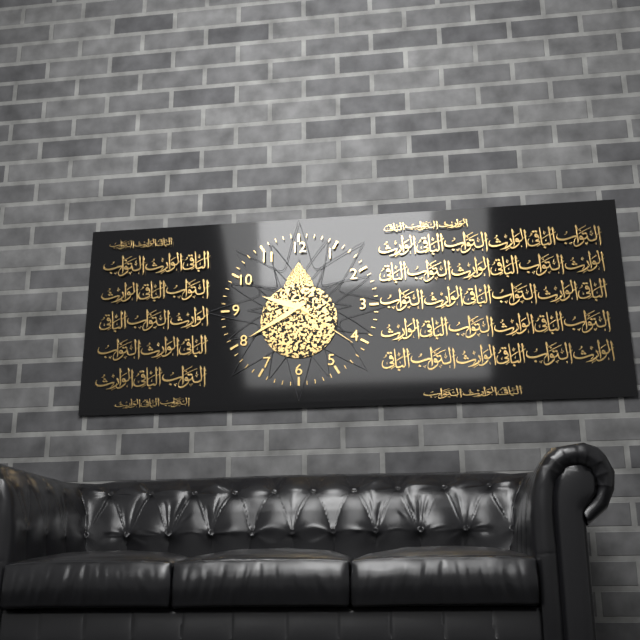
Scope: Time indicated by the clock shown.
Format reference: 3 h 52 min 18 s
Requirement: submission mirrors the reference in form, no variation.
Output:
9 h 40 min 21 s
